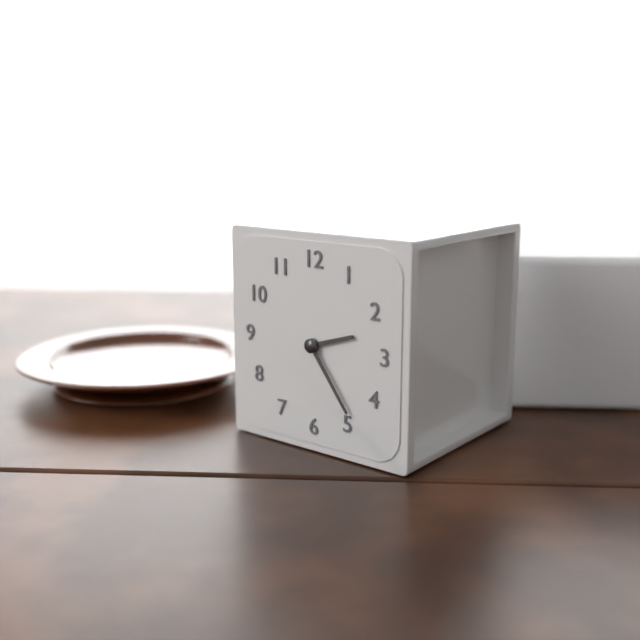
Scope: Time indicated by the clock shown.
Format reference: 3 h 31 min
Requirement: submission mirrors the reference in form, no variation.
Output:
2 h 24 min
